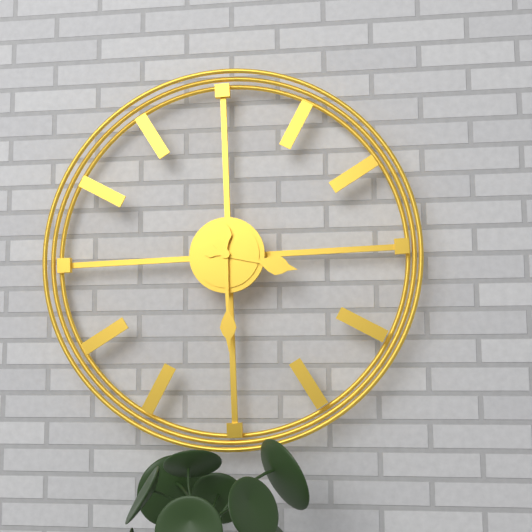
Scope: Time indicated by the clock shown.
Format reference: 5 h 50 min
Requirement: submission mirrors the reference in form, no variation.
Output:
3 h 30 min
